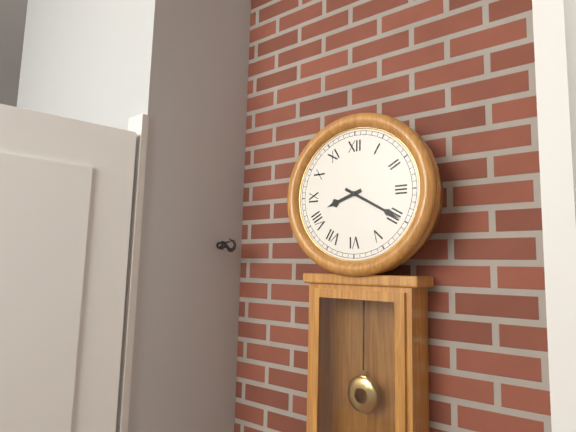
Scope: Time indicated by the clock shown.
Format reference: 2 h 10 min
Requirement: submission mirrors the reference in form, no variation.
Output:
8 h 20 min
